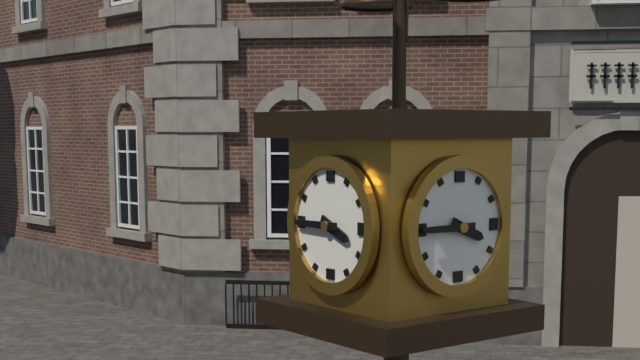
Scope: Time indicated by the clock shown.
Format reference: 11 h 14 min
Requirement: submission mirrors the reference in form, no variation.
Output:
3 h 45 min
